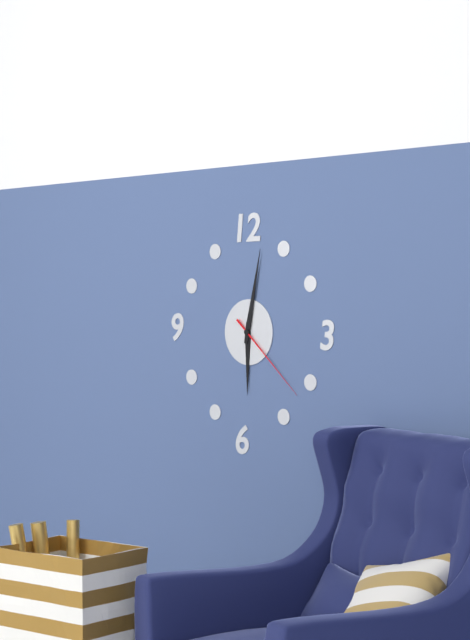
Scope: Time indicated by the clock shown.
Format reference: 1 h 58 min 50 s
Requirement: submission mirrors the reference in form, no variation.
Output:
6 h 02 min 22 s
